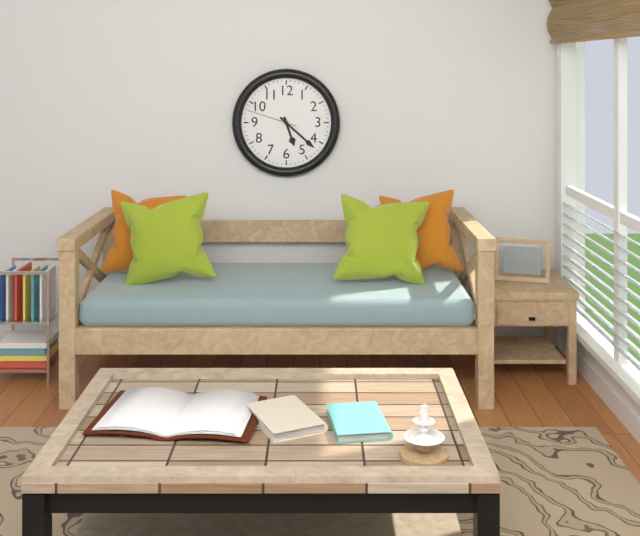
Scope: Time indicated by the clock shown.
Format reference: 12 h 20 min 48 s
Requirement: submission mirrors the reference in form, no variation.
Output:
5 h 22 min 48 s
